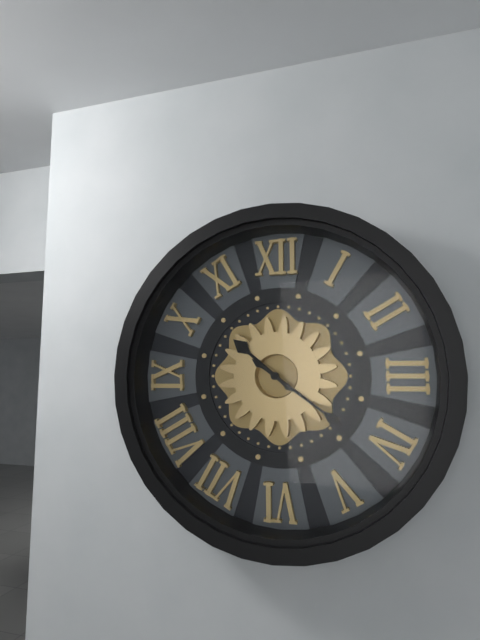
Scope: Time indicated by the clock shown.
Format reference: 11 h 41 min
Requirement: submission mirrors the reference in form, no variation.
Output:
10 h 21 min
